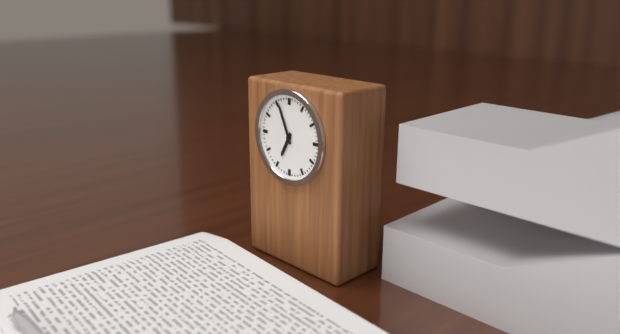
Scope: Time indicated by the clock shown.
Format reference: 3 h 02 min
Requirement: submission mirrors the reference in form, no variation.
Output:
6 h 56 min
